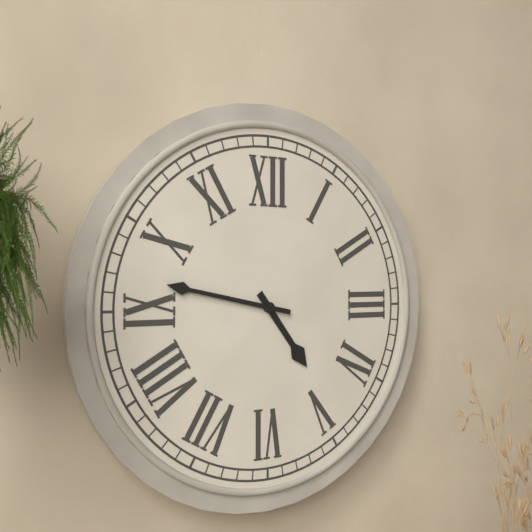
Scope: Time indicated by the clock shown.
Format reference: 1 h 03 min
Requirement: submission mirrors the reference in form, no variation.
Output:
4 h 47 min
